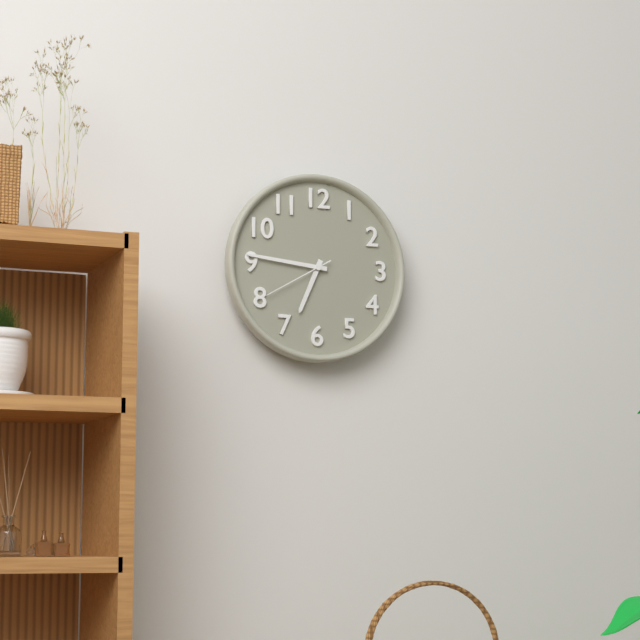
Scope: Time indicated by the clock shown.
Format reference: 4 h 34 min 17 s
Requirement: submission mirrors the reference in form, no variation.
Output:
6 h 46 min 40 s
